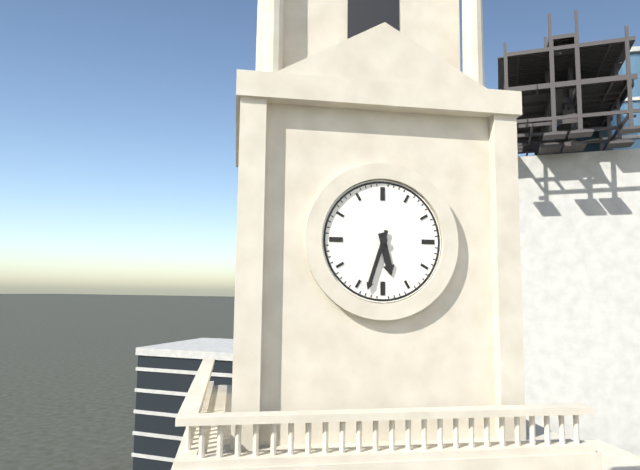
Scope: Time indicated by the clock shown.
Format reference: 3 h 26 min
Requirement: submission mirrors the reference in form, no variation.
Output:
5 h 33 min
